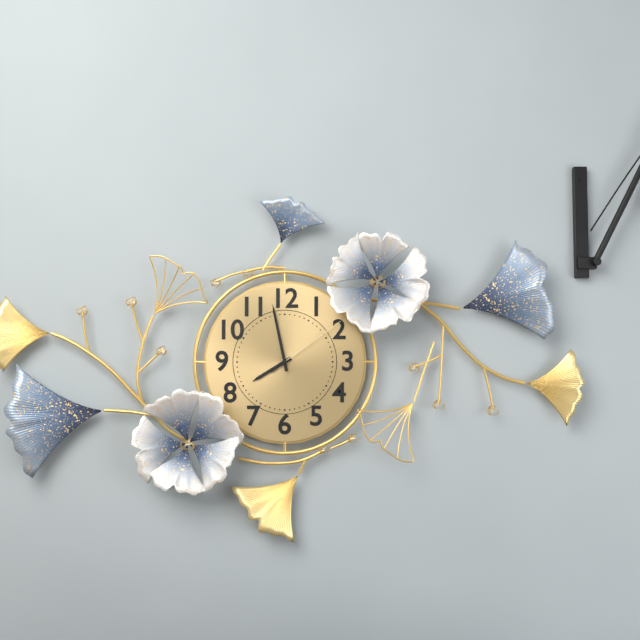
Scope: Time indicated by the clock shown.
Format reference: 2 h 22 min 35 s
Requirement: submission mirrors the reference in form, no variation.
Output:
7 h 58 min 09 s
